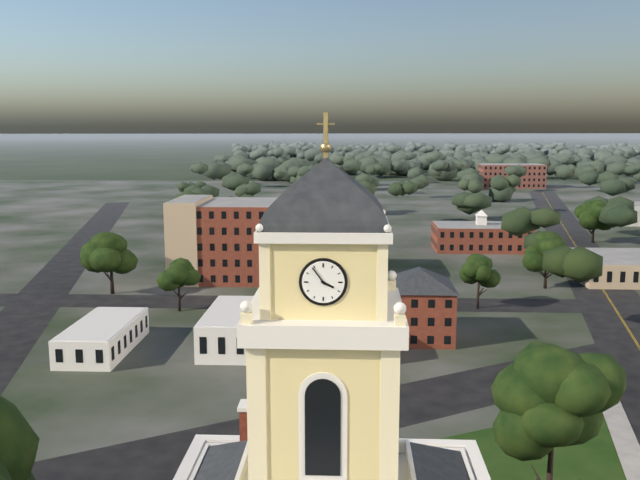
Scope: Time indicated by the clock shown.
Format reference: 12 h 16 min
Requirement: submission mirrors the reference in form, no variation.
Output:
3 h 54 min
